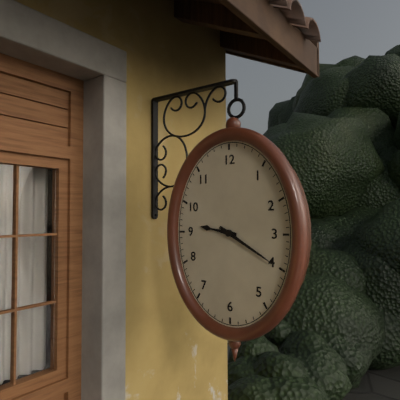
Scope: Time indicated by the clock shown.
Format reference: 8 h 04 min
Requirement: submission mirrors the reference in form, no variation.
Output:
9 h 20 min
